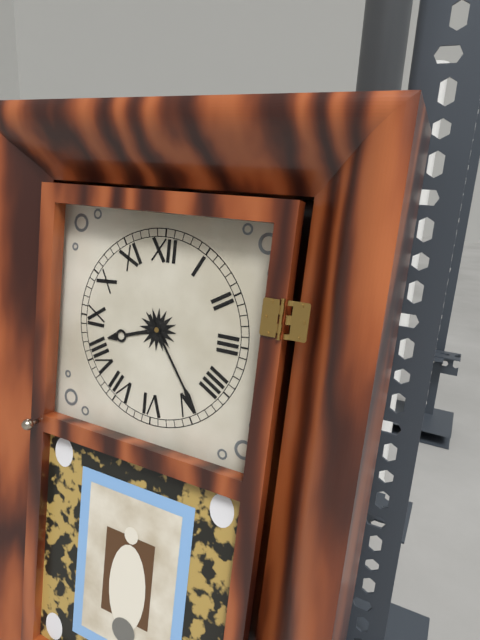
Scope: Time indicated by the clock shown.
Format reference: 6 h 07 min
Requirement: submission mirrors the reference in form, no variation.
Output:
8 h 24 min
